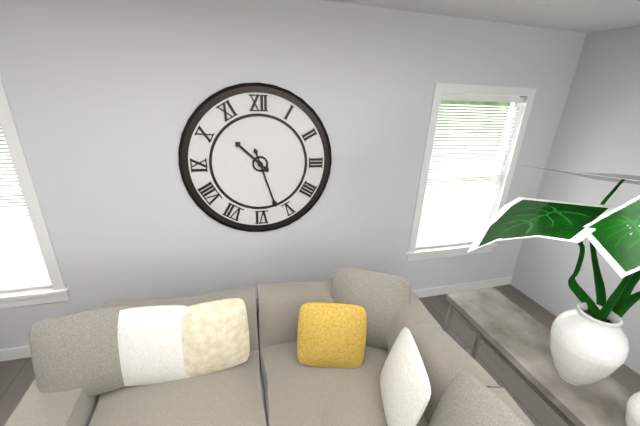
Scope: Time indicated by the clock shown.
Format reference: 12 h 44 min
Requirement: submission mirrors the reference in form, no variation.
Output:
10 h 27 min
